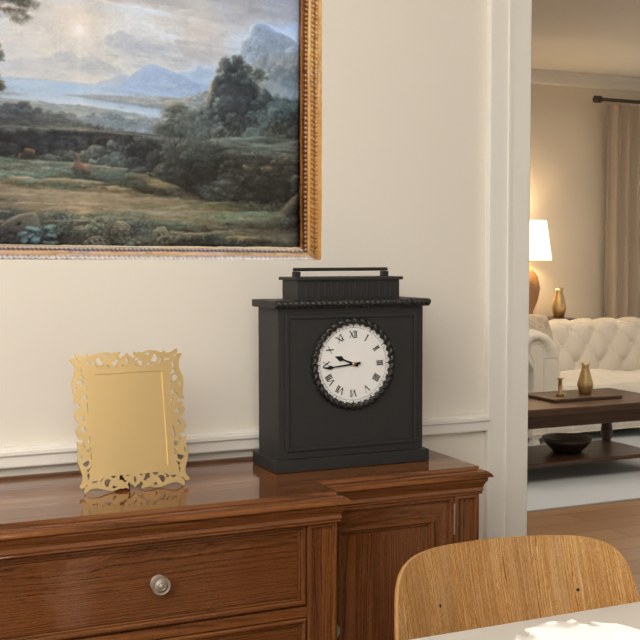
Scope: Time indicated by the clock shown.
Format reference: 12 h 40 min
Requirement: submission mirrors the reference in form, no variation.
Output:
9 h 44 min
